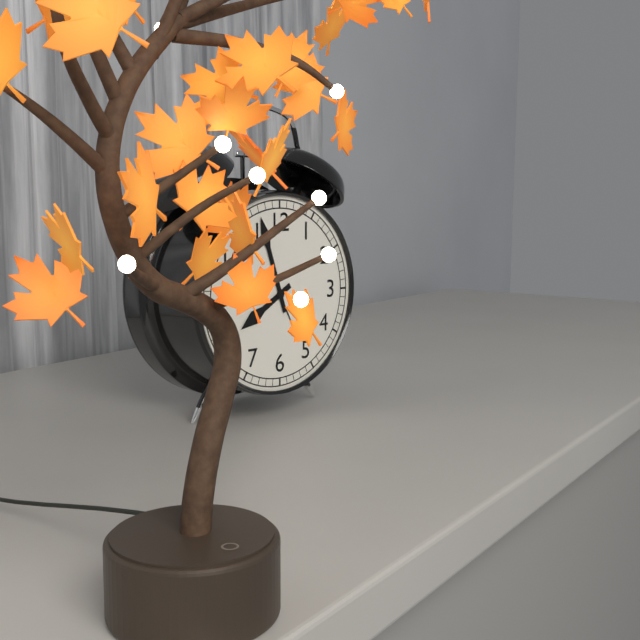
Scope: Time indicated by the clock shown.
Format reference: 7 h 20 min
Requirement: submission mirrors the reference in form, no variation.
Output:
7 h 57 min
